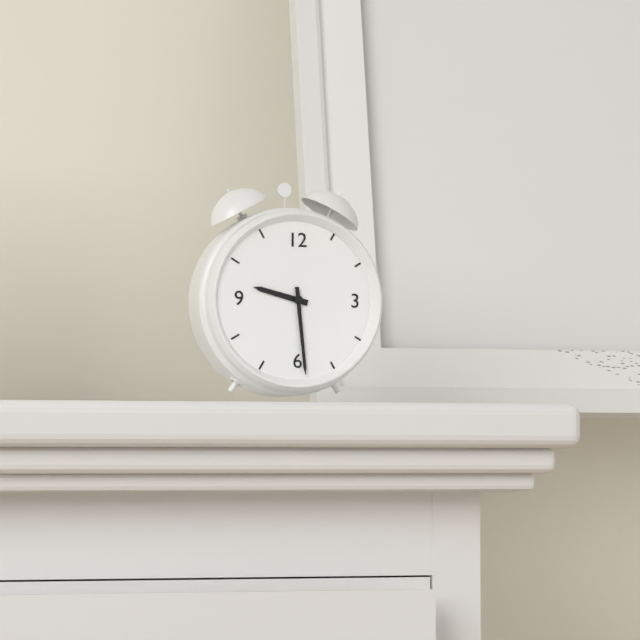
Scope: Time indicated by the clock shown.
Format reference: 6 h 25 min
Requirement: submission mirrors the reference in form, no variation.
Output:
9 h 29 min
